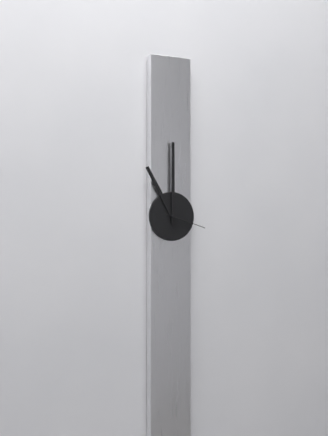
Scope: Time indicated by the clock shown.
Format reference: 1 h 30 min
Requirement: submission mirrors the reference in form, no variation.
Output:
11 h 00 min
